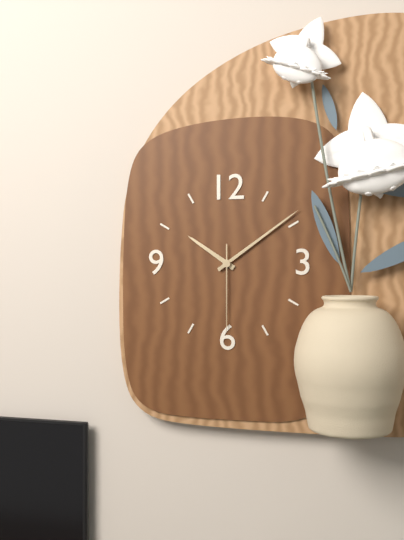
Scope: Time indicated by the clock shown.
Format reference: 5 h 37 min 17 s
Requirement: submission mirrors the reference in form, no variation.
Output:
10 h 09 min 30 s
